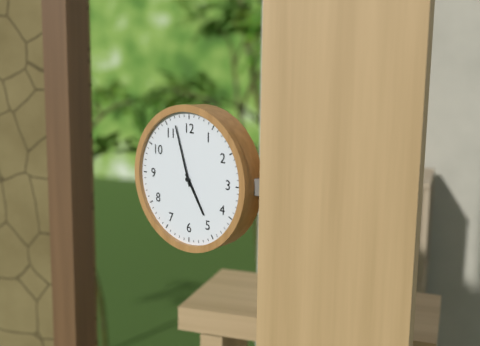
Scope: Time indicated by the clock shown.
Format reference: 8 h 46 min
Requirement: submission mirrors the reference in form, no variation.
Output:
4 h 57 min
